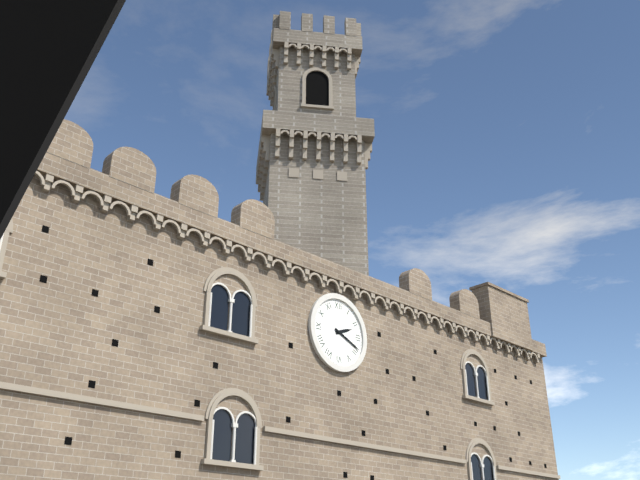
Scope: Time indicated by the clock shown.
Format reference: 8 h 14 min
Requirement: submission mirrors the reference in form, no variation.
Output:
2 h 19 min
